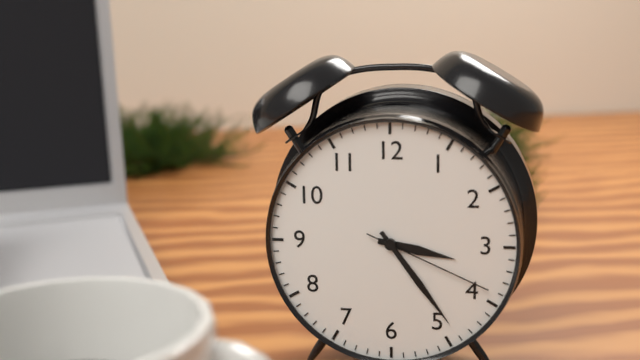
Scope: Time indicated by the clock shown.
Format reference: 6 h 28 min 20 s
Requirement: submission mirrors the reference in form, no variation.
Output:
3 h 24 min 19 s
